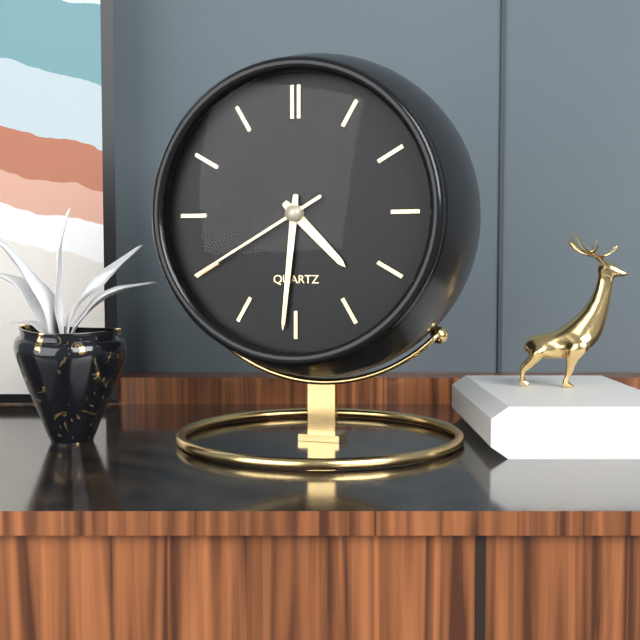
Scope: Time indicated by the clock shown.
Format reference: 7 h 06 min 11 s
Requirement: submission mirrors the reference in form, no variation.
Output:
4 h 31 min 40 s
